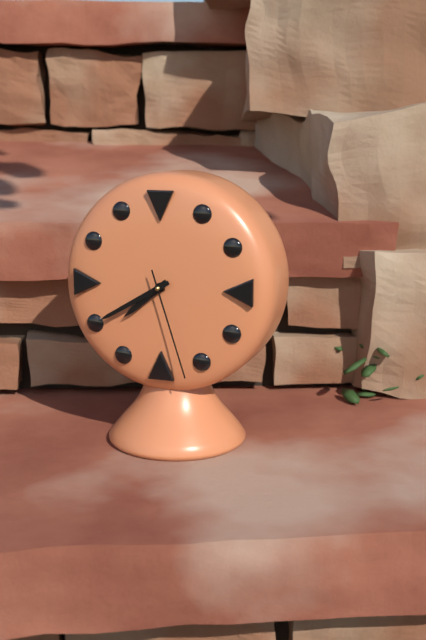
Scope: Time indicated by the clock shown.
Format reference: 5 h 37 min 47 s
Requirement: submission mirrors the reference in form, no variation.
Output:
7 h 40 min 27 s
